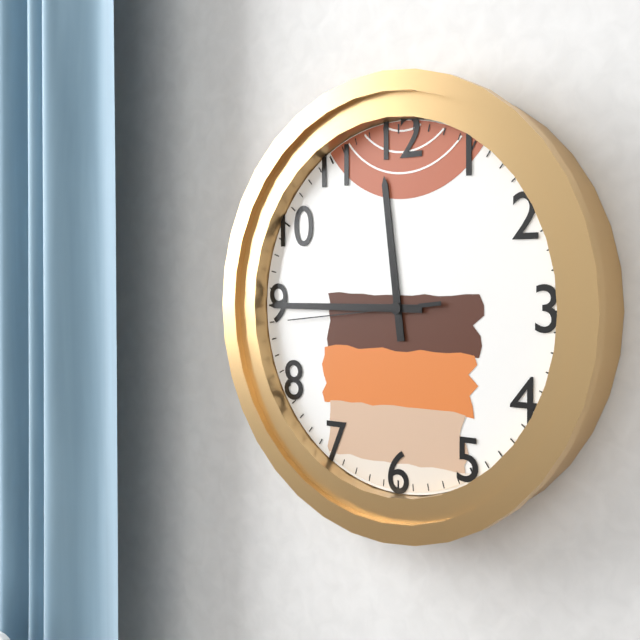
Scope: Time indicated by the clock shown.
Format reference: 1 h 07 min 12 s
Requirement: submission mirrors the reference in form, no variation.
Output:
11 h 45 min 44 s
